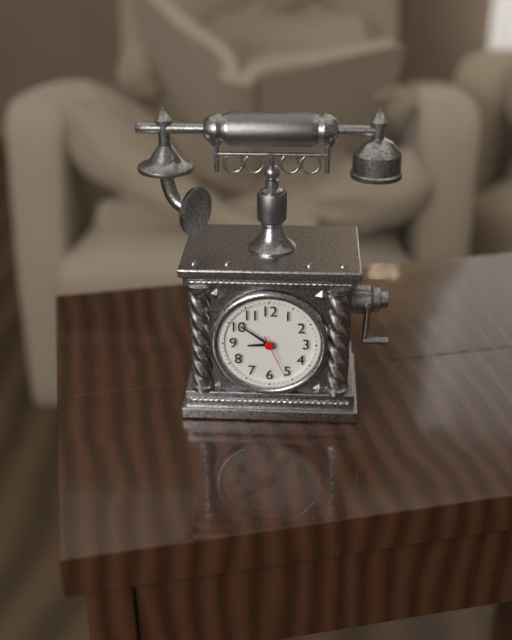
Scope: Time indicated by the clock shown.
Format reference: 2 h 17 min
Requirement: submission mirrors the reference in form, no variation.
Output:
8 h 51 min
